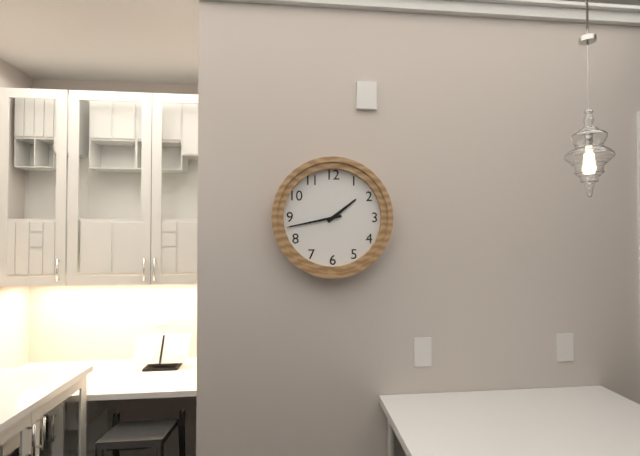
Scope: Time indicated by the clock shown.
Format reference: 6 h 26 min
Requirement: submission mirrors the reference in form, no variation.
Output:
1 h 43 min
